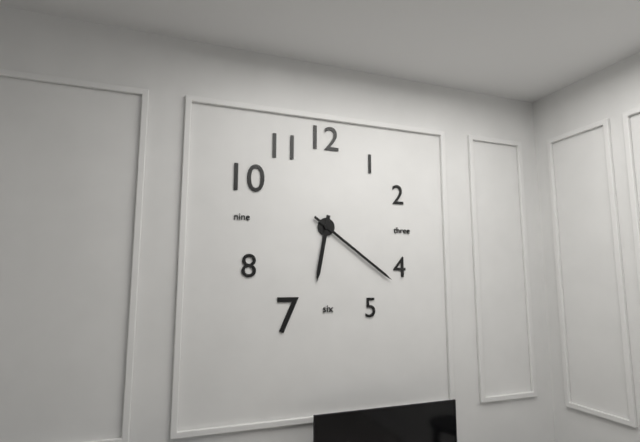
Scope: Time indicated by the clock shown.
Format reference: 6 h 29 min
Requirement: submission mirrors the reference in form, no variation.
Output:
6 h 21 min
